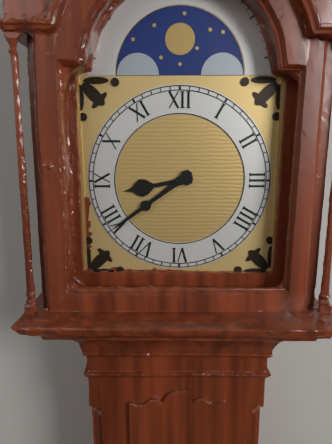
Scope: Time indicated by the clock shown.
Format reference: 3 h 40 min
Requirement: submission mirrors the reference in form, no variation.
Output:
8 h 39 min
